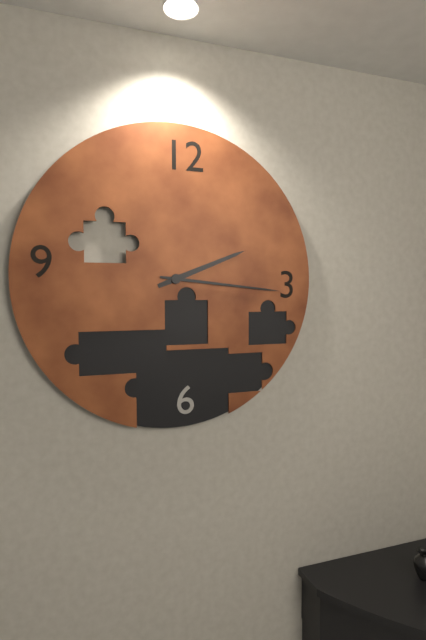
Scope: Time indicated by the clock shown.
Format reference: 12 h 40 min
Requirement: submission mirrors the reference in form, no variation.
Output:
2 h 16 min
